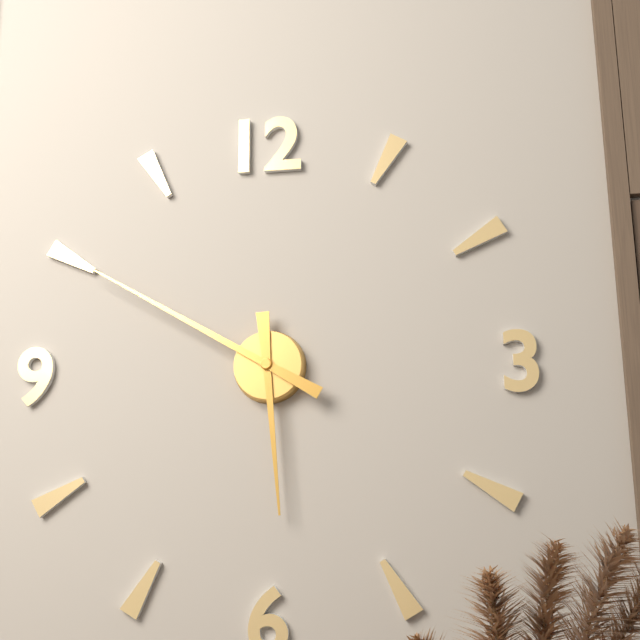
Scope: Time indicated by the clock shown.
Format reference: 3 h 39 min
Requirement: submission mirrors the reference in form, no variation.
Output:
5 h 50 min
